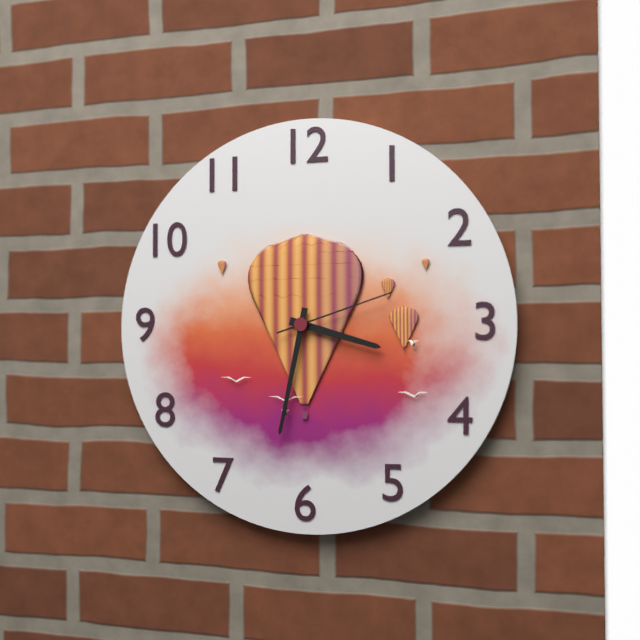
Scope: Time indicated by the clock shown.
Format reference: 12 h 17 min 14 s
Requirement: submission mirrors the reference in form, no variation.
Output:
3 h 32 min 12 s
